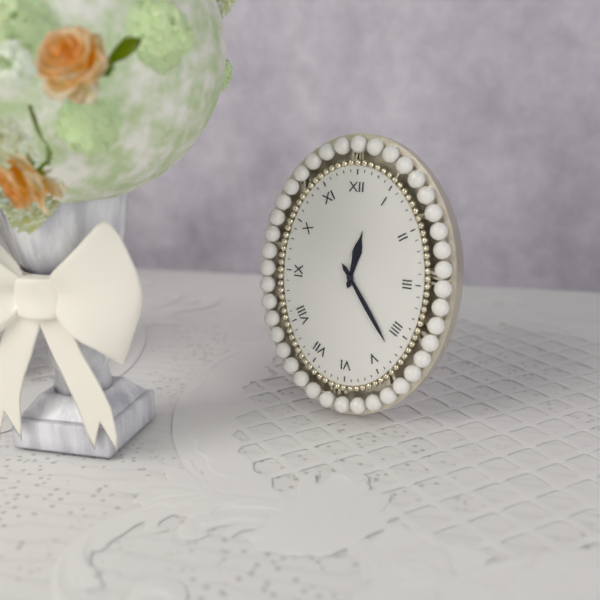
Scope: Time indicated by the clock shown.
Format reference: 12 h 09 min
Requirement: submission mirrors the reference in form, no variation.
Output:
12 h 24 min
